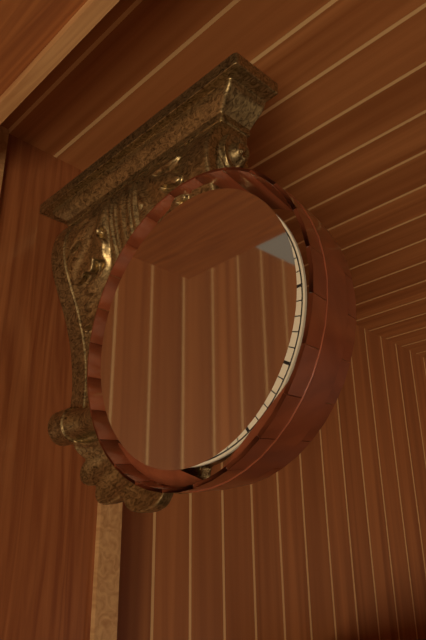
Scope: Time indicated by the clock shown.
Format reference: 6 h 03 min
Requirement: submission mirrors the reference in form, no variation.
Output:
3 h 12 min
